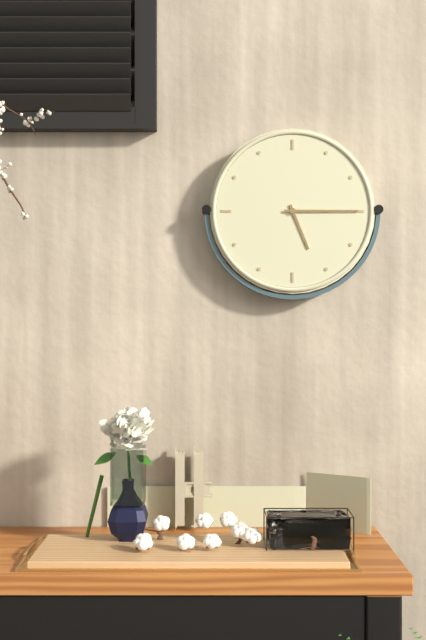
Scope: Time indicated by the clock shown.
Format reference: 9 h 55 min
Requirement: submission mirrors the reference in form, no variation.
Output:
5 h 15 min
